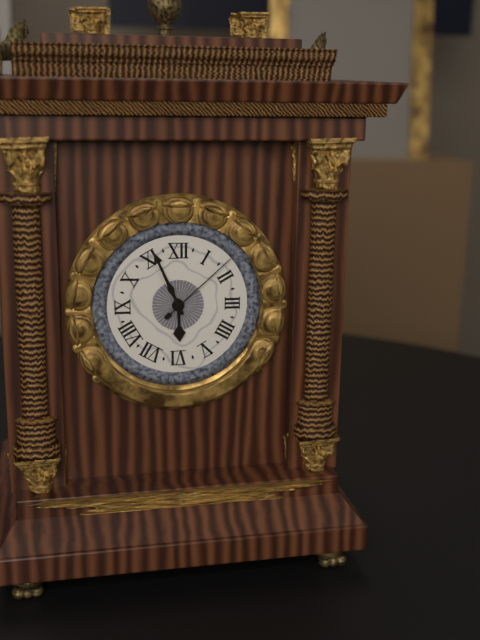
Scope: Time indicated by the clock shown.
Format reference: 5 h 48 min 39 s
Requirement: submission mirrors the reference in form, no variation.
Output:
5 h 56 min 08 s
